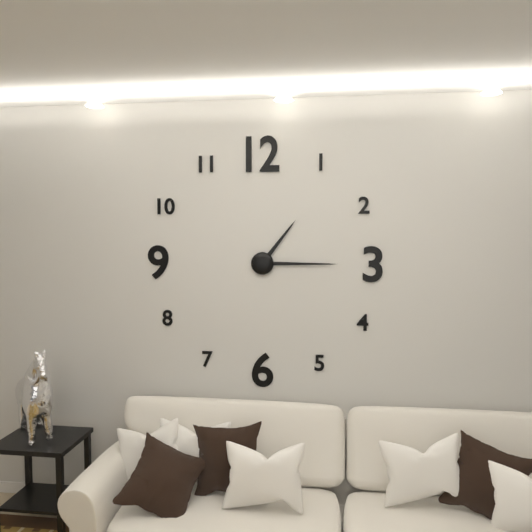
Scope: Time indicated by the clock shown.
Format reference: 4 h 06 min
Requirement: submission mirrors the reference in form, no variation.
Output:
1 h 15 min
